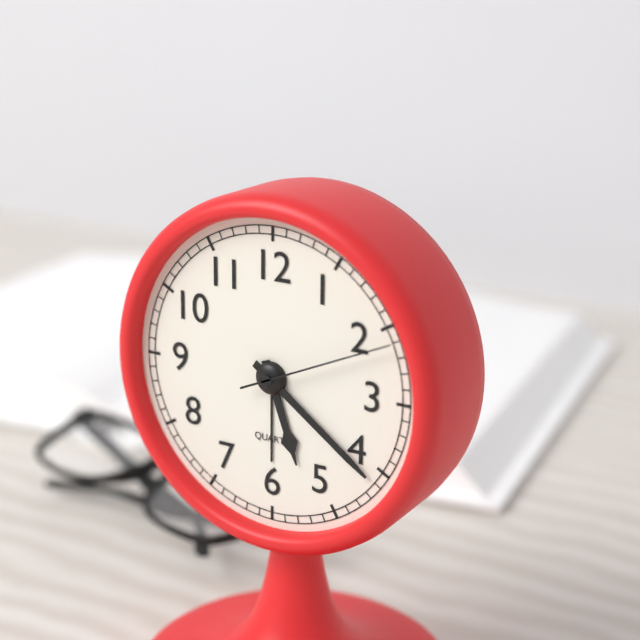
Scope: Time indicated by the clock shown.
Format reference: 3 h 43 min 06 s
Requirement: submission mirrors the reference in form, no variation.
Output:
5 h 21 min 11 s
